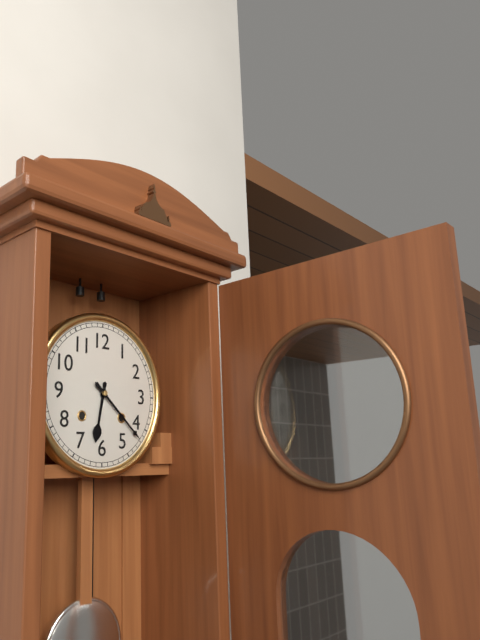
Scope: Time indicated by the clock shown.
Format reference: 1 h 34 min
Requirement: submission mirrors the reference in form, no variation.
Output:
6 h 22 min
